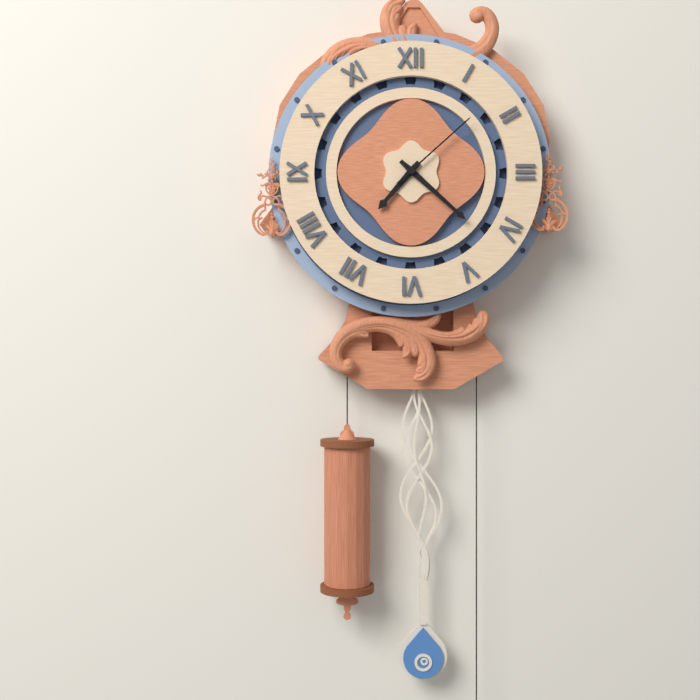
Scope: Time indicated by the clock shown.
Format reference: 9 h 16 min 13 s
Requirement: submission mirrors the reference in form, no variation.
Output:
7 h 22 min 08 s
